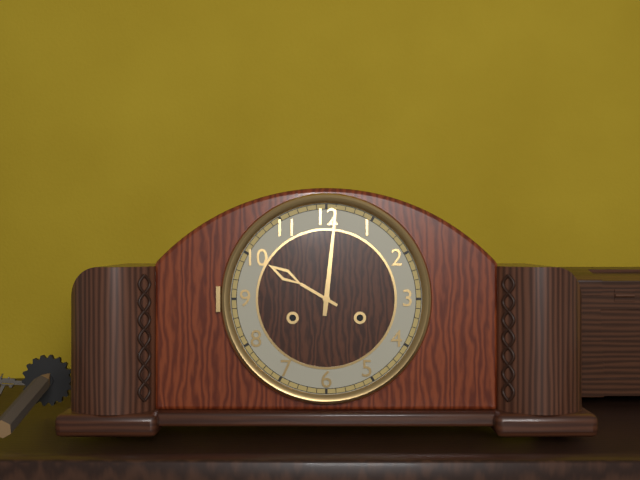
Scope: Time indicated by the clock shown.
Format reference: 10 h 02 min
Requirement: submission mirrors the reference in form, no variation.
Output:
10 h 01 min
